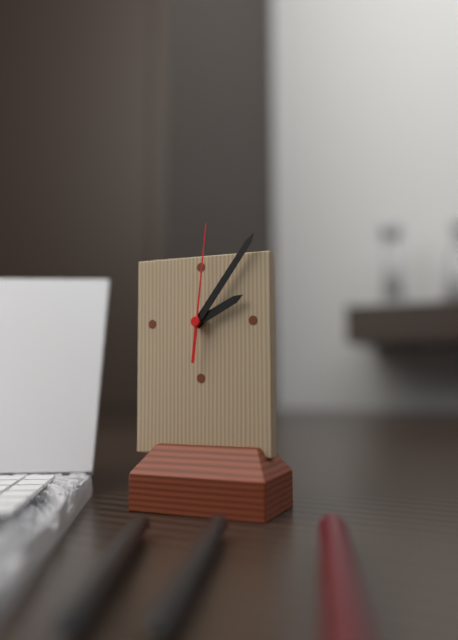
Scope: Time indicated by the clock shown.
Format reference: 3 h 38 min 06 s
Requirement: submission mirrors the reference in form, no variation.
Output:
2 h 06 min 01 s
